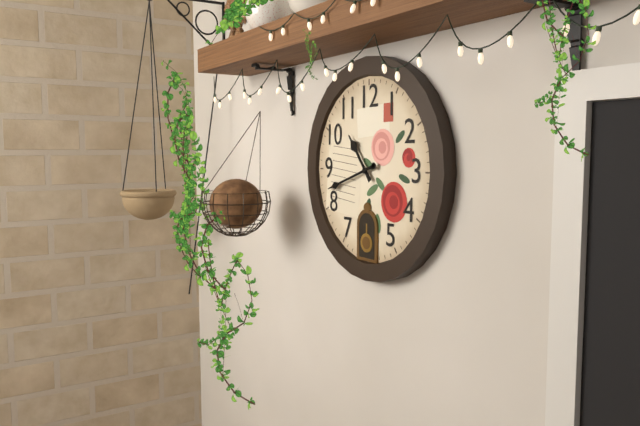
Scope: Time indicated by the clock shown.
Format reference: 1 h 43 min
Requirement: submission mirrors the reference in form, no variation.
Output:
10 h 42 min
